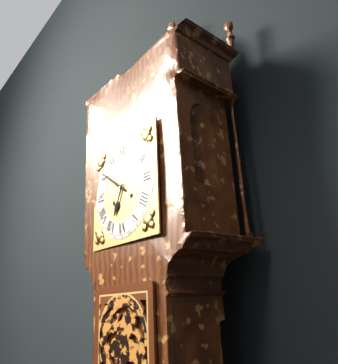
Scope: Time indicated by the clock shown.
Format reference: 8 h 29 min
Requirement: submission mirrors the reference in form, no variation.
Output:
6 h 51 min
